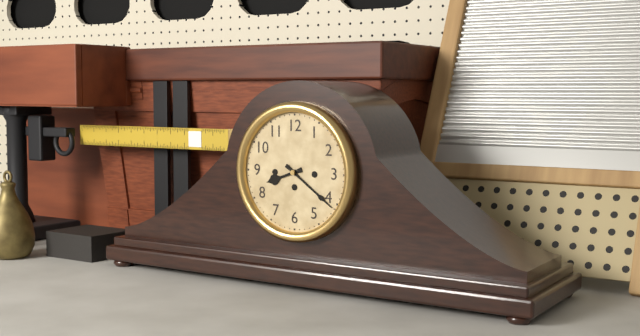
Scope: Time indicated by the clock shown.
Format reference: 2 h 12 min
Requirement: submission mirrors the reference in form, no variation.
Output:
8 h 21 min
